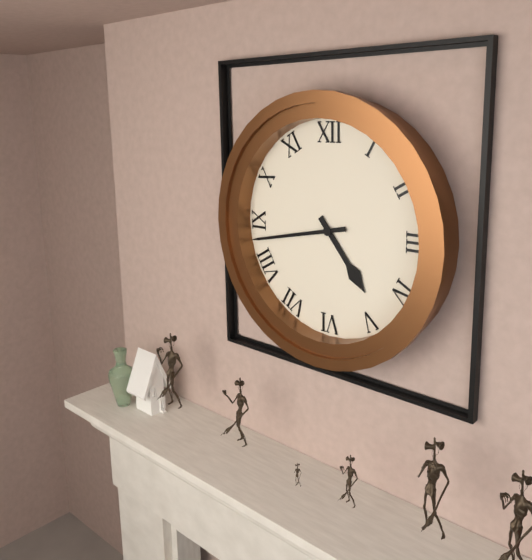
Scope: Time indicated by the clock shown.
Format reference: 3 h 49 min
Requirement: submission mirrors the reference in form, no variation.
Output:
4 h 43 min
